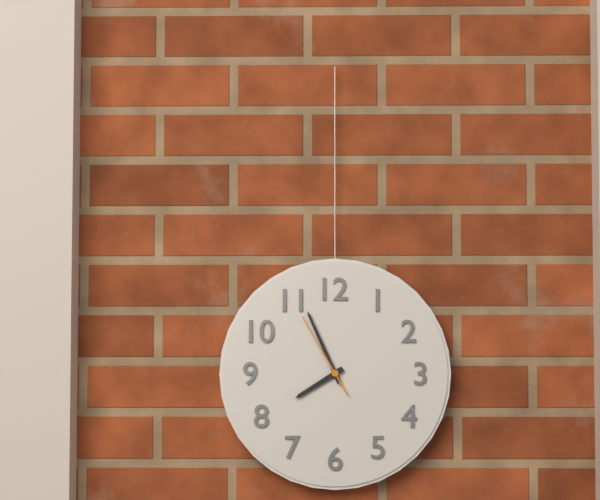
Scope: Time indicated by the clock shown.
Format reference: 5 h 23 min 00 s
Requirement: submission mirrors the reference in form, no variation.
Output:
7 h 56 min 55 s
